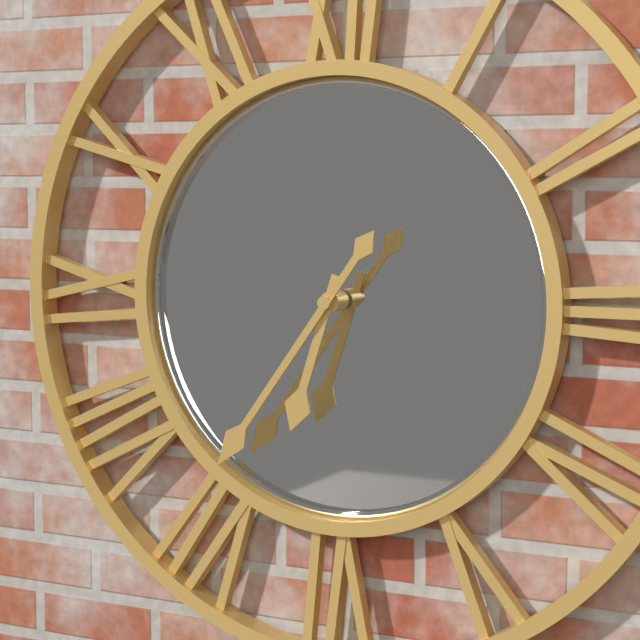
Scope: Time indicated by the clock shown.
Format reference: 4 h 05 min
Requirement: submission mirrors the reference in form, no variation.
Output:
6 h 36 min
